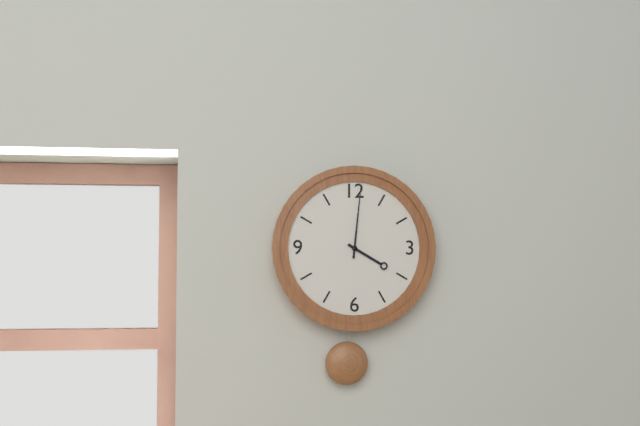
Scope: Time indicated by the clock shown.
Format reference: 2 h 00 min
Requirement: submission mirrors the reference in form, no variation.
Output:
4 h 01 min
